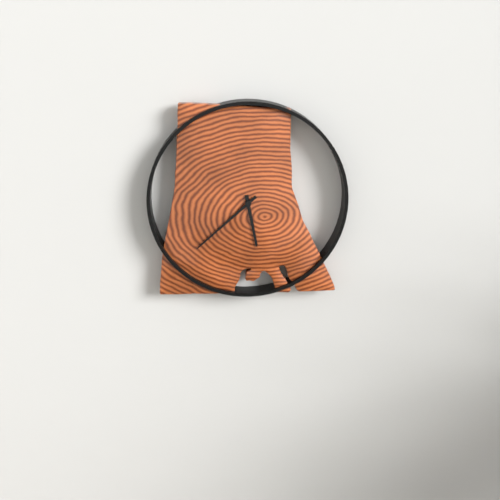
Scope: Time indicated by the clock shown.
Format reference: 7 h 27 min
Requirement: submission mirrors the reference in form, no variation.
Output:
5 h 38 min
